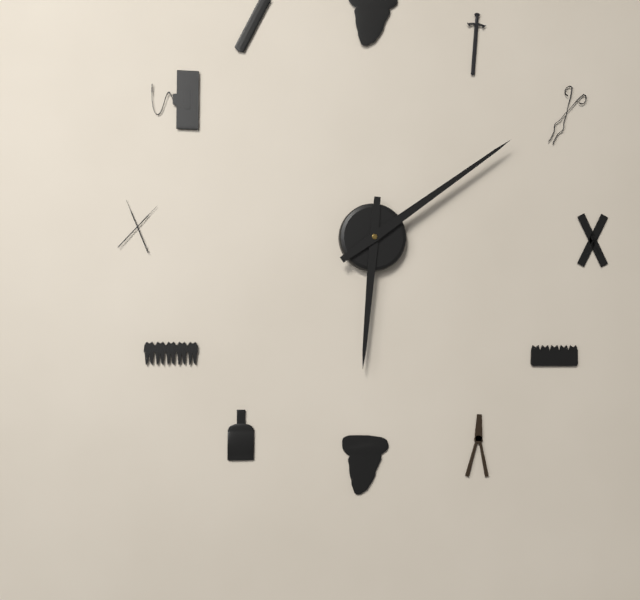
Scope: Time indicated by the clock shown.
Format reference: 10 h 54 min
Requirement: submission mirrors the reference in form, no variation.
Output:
6 h 09 min
